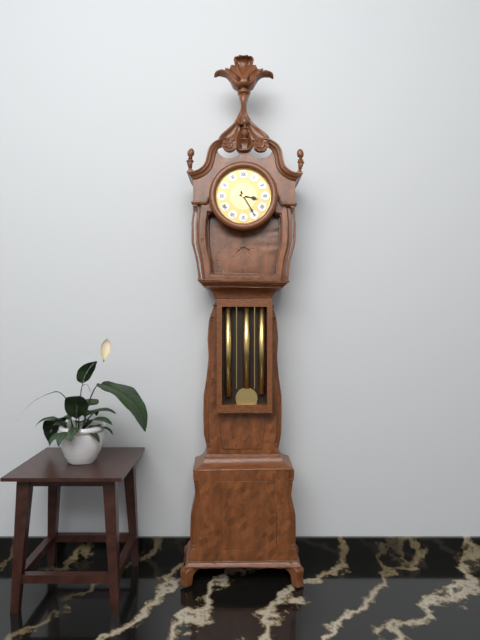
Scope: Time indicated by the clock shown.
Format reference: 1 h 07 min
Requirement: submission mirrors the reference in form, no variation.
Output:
3 h 25 min
